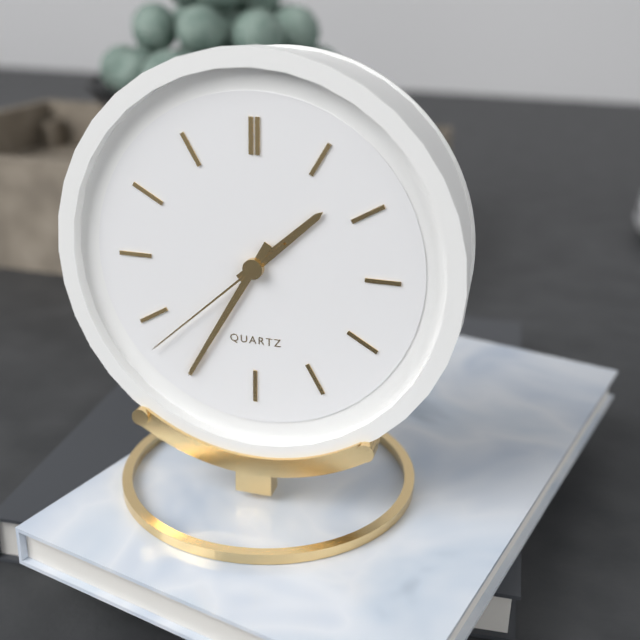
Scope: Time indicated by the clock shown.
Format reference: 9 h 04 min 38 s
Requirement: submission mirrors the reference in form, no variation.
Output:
1 h 35 min 38 s
